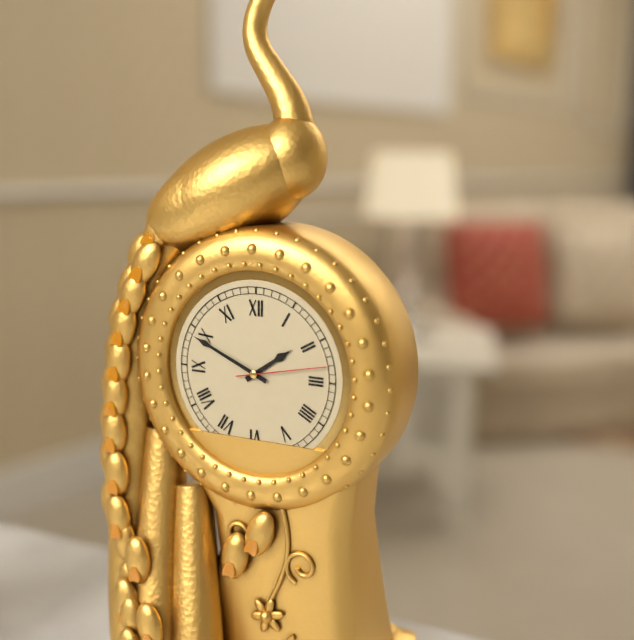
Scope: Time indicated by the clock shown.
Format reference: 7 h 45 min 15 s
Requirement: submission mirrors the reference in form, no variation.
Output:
1 h 49 min 13 s
